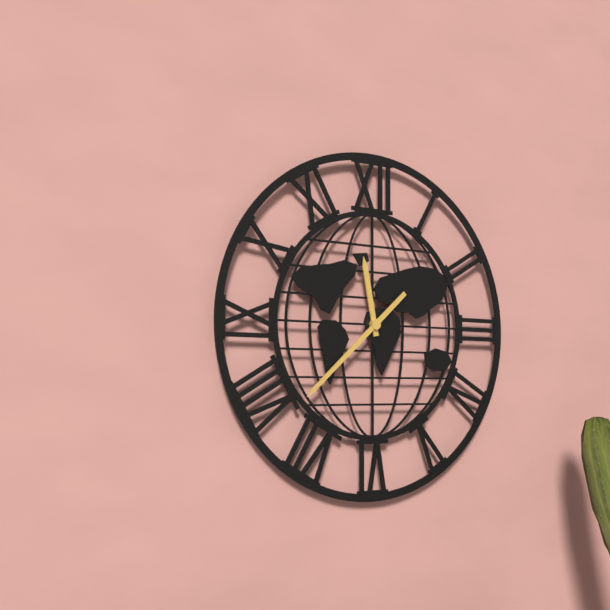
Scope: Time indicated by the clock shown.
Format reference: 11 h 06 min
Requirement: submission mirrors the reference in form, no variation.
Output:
11 h 38 min
